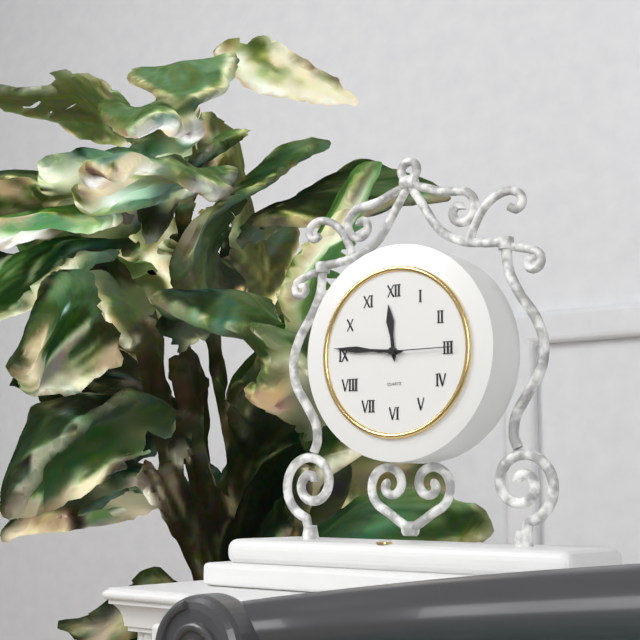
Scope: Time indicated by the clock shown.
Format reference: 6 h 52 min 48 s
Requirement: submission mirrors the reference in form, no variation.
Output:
11 h 46 min 15 s
